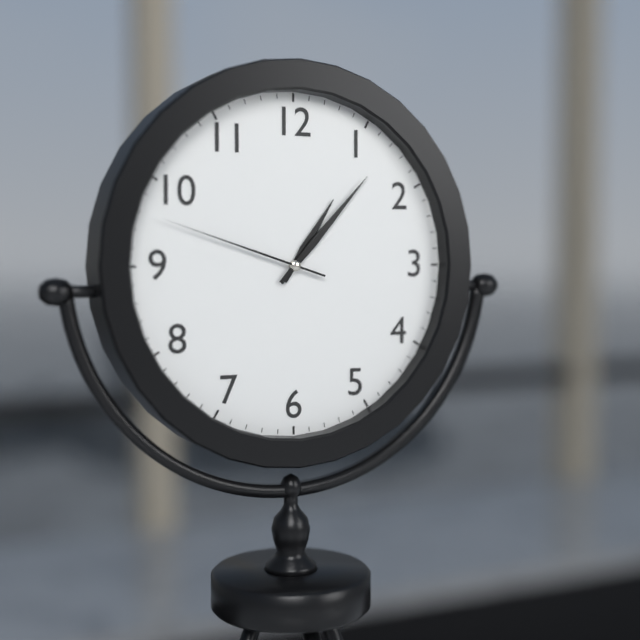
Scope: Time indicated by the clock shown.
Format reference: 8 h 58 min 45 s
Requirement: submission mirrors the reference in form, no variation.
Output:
1 h 07 min 48 s
